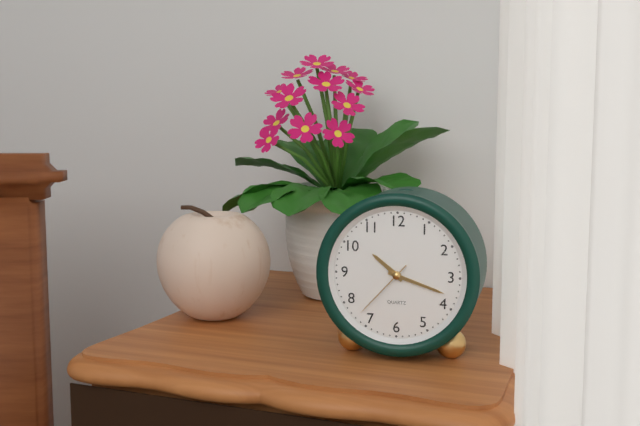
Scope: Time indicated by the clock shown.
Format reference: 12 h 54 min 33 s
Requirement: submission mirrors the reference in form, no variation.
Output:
10 h 18 min 37 s
